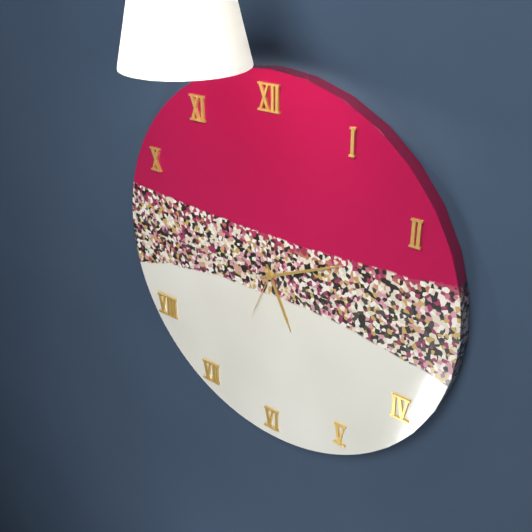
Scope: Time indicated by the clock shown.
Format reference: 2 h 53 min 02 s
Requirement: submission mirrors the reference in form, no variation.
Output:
5 h 11 min 34 s
